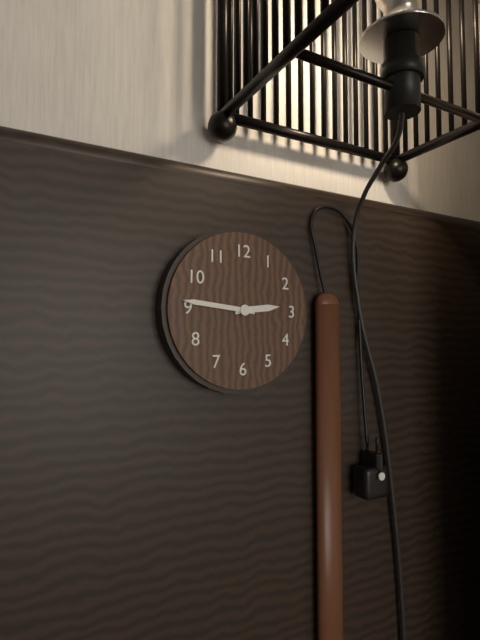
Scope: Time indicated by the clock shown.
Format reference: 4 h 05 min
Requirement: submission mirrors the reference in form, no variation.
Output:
2 h 46 min
